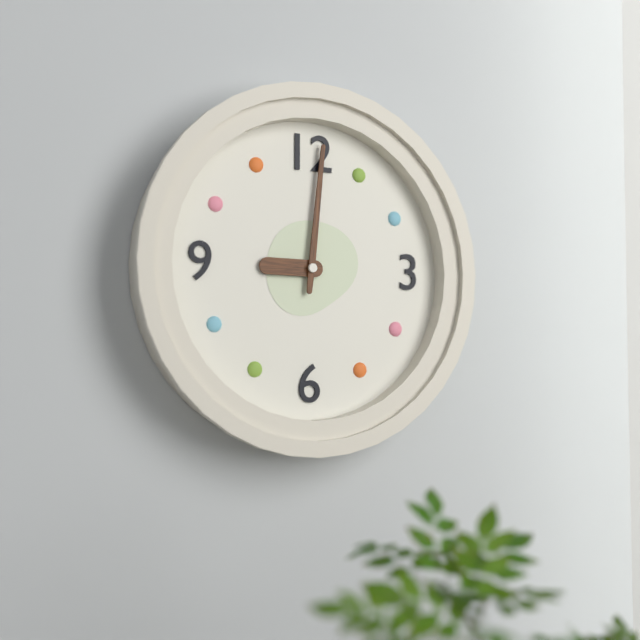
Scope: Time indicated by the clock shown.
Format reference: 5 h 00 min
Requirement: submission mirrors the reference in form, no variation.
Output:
9 h 01 min
